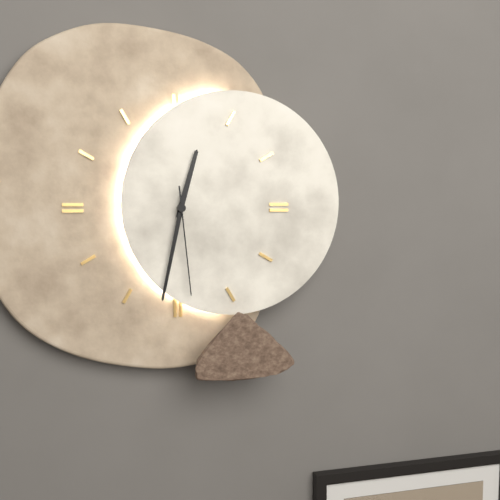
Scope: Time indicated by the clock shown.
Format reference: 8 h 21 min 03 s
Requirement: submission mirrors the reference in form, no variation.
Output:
12 h 32 min 29 s
